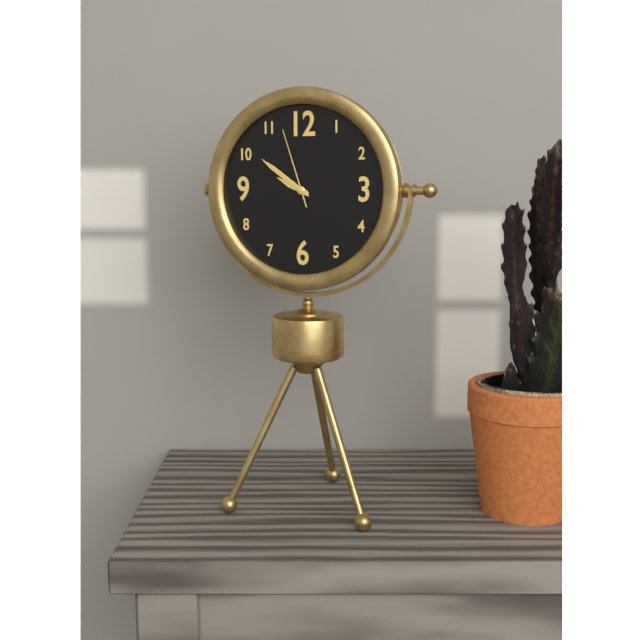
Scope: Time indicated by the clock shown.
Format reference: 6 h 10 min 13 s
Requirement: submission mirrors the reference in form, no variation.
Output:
9 h 51 min 57 s
